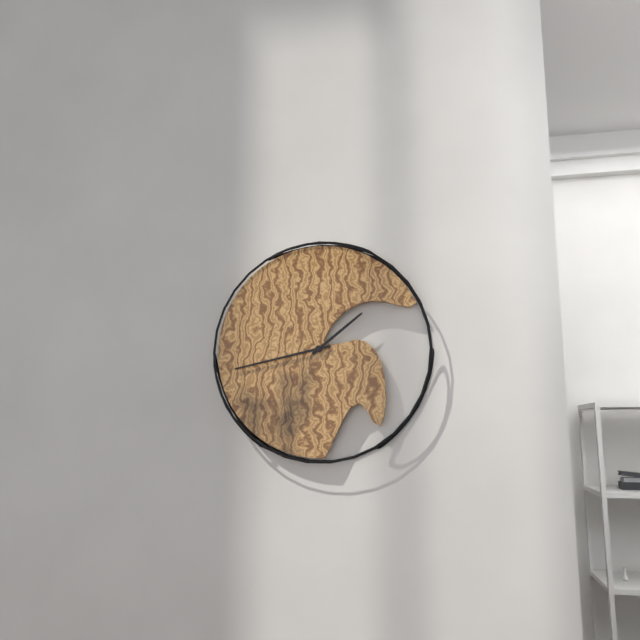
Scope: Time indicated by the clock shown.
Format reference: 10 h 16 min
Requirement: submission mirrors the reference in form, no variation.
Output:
1 h 43 min
